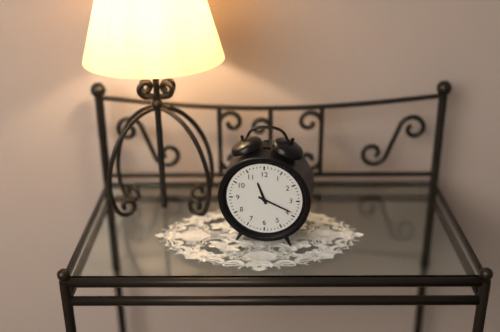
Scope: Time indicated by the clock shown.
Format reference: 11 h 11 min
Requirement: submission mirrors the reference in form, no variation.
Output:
11 h 19 min
